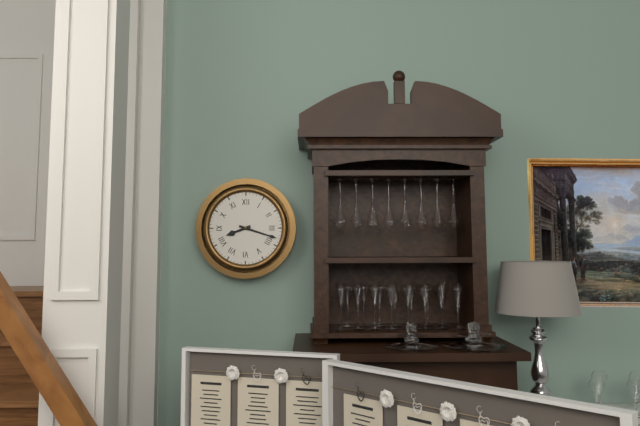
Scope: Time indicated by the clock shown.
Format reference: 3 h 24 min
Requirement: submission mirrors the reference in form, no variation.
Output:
8 h 18 min
